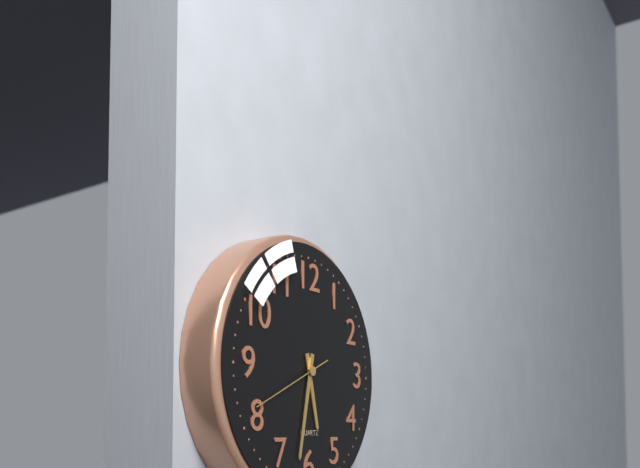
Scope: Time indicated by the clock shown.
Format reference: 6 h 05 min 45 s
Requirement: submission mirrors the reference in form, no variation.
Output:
5 h 32 min 41 s
